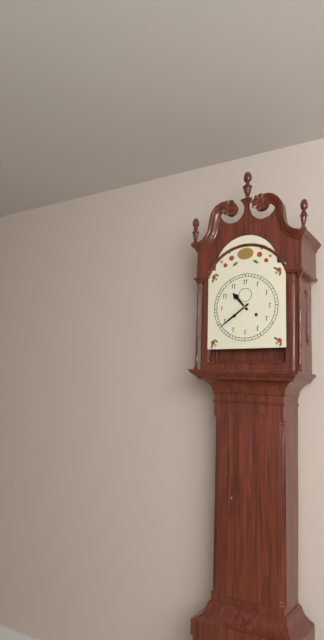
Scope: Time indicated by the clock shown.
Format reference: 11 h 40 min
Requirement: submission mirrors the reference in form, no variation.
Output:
10 h 39 min
